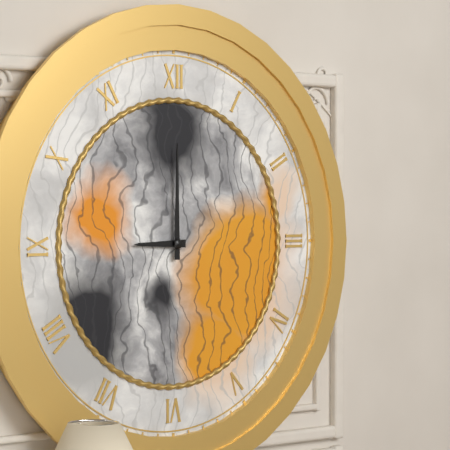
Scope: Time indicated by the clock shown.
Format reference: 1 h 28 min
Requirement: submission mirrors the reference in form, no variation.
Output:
9 h 00 min
